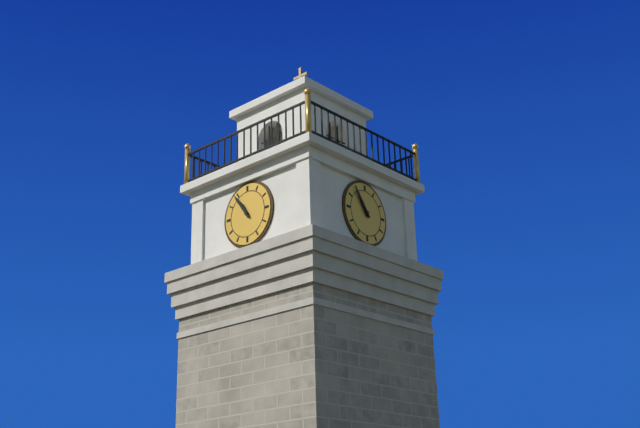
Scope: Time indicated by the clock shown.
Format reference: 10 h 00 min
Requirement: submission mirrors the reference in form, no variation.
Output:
10 h 54 min
